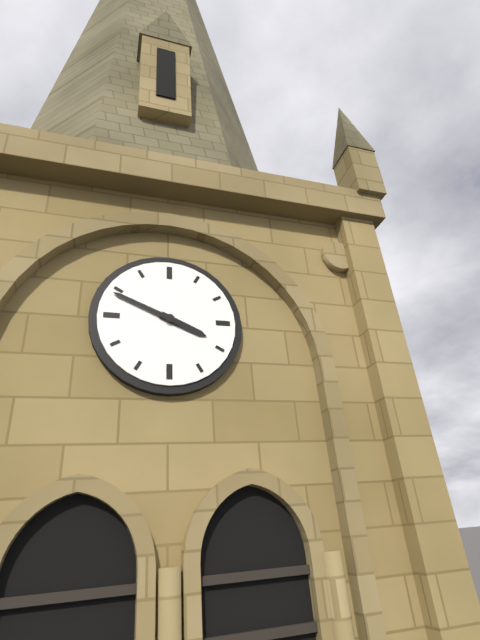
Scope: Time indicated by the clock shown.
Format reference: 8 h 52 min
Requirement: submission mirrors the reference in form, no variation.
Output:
3 h 49 min
